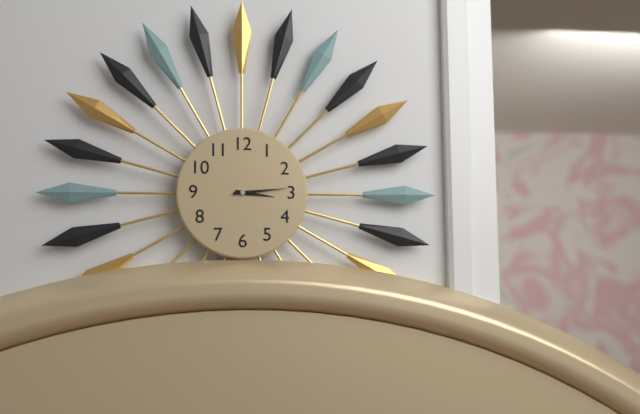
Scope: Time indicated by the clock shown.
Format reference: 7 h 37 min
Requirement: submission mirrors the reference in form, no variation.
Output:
3 h 14 min
